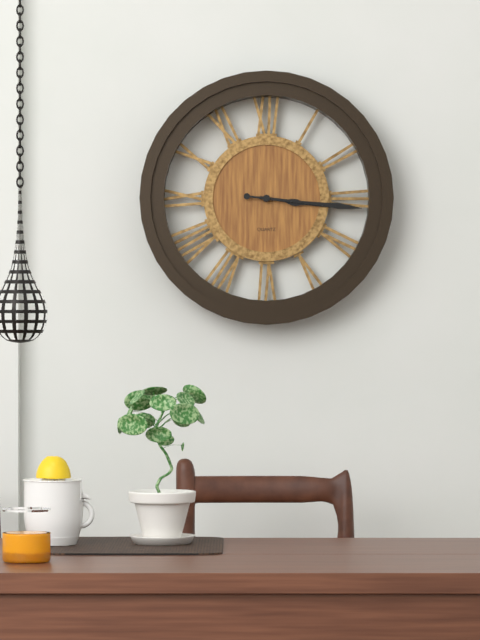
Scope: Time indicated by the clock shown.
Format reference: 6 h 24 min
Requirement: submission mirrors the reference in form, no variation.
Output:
3 h 16 min
